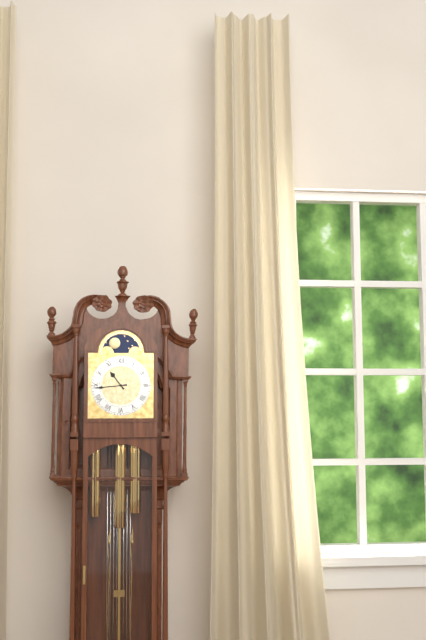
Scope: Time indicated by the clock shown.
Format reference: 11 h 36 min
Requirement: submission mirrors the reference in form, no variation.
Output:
10 h 44 min
